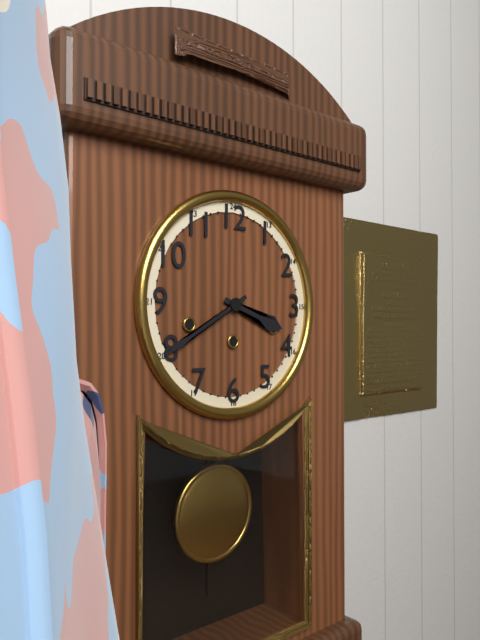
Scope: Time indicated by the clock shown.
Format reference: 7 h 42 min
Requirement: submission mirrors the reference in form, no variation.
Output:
3 h 40 min
